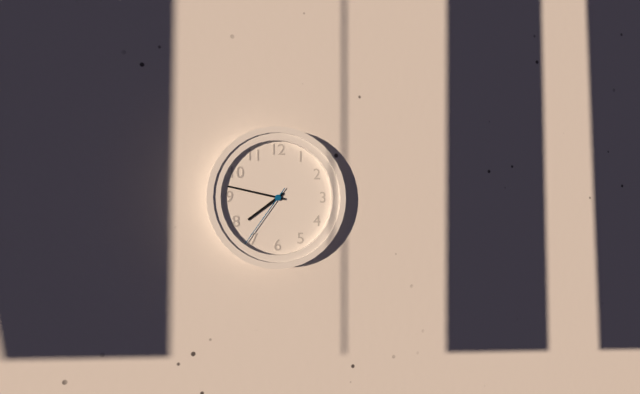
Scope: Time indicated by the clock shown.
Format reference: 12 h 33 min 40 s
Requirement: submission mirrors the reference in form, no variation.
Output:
7 h 47 min 36 s
